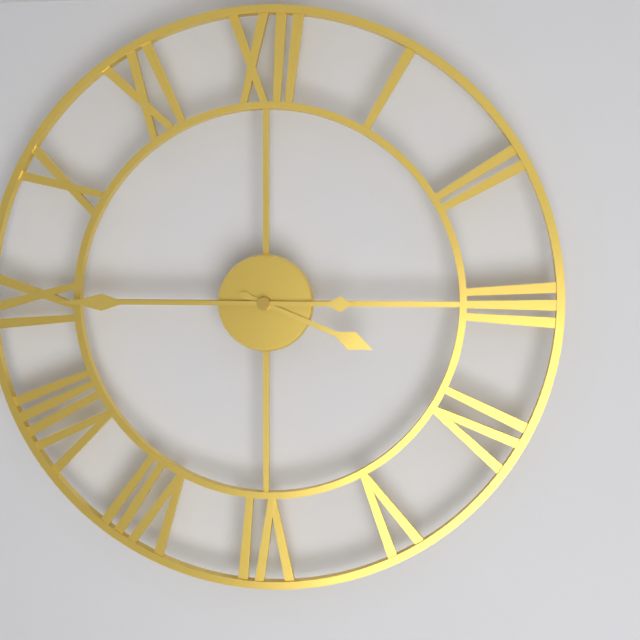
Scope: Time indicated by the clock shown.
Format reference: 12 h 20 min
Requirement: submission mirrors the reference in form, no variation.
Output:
3 h 45 min
